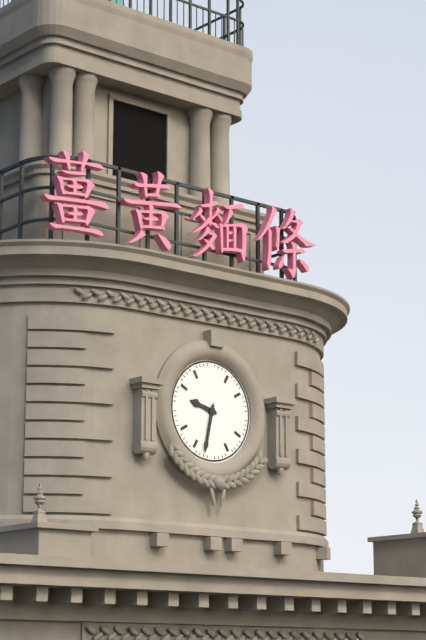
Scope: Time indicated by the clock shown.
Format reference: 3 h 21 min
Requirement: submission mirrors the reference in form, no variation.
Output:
9 h 32 min
